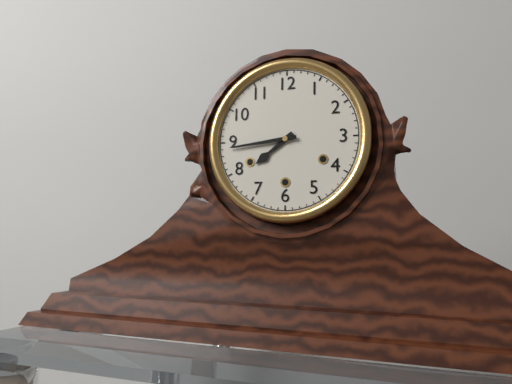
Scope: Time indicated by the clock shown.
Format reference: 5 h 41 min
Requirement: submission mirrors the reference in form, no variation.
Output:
7 h 44 min
